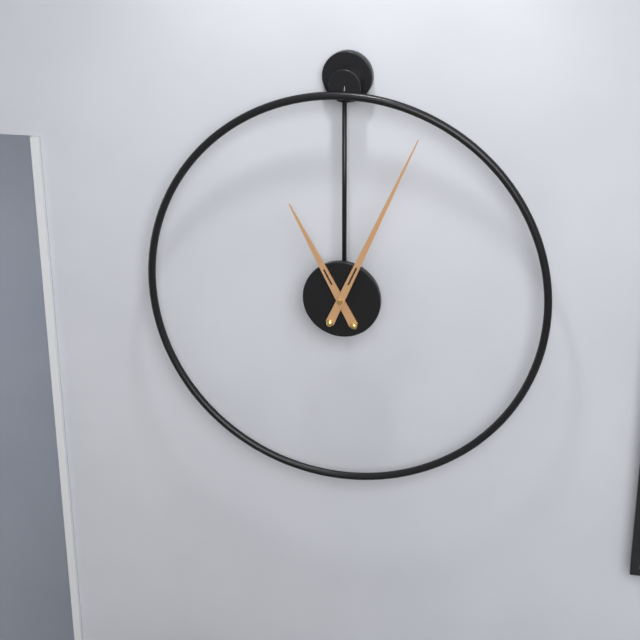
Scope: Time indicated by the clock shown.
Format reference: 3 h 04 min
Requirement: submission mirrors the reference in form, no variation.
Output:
11 h 04 min
